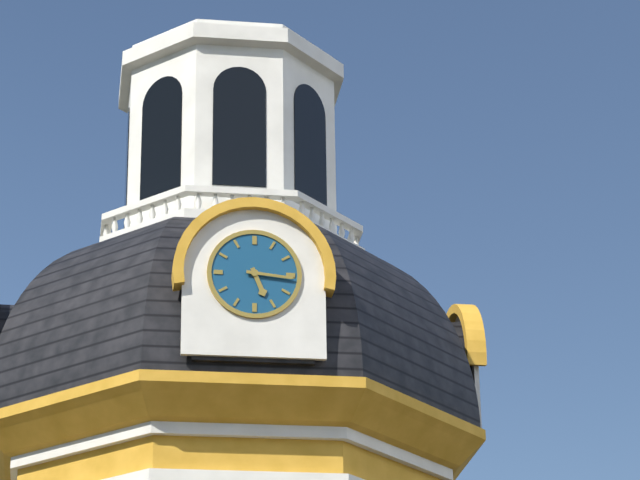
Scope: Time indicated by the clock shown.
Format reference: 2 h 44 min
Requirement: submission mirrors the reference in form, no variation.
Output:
5 h 16 min
